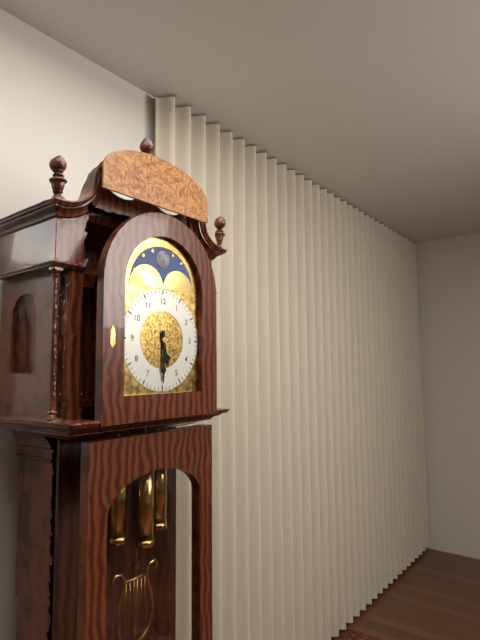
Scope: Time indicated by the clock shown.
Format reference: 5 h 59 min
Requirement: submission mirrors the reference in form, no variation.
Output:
5 h 30 min
